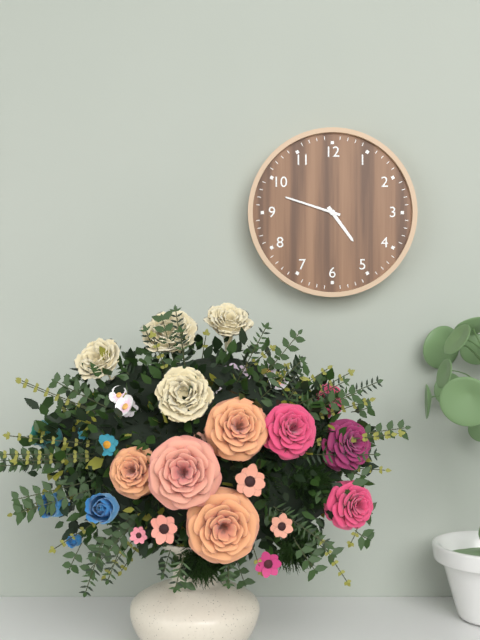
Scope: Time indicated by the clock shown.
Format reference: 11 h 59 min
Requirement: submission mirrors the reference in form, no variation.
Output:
4 h 48 min
